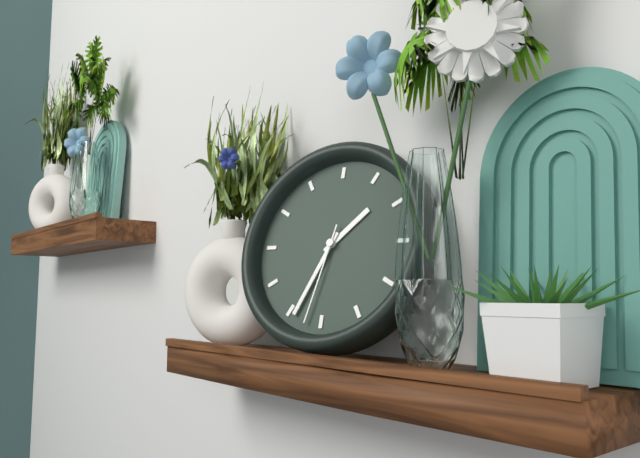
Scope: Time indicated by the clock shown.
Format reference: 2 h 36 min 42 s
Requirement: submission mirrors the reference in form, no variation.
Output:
1 h 34 min 32 s
